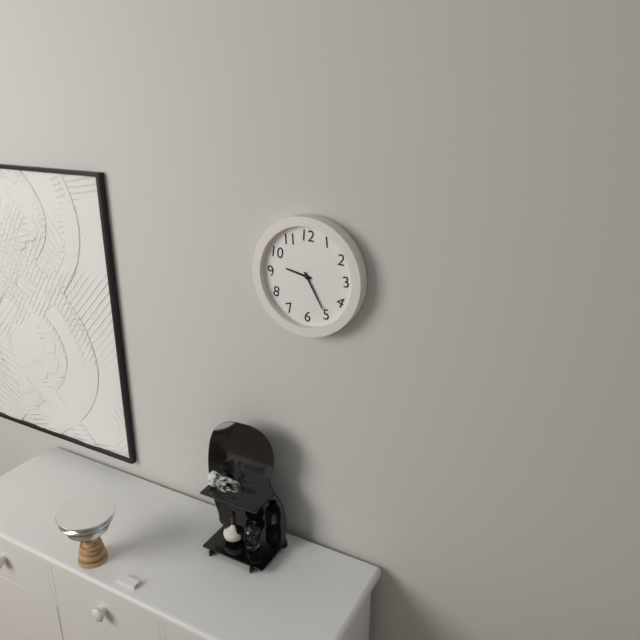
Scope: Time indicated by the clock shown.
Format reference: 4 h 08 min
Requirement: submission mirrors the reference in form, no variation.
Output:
9 h 25 min
